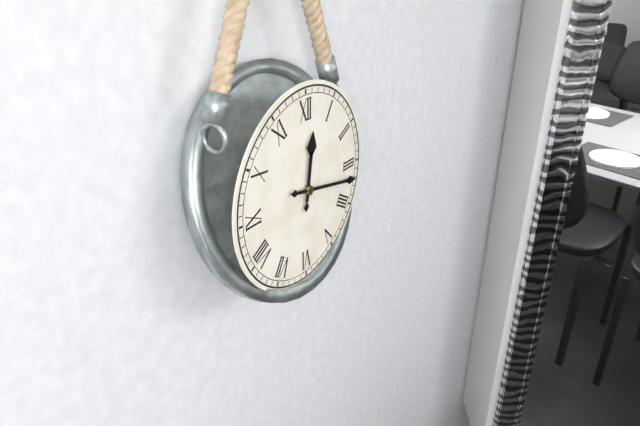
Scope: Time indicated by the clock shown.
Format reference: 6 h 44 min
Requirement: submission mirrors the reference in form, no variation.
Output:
12 h 17 min
